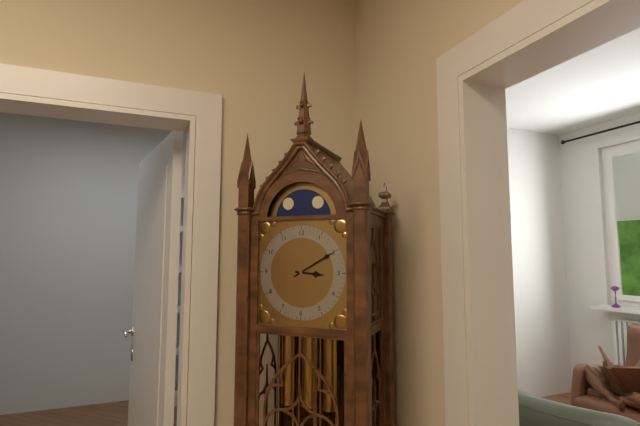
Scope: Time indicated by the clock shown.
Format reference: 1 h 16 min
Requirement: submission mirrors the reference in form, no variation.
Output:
3 h 10 min
